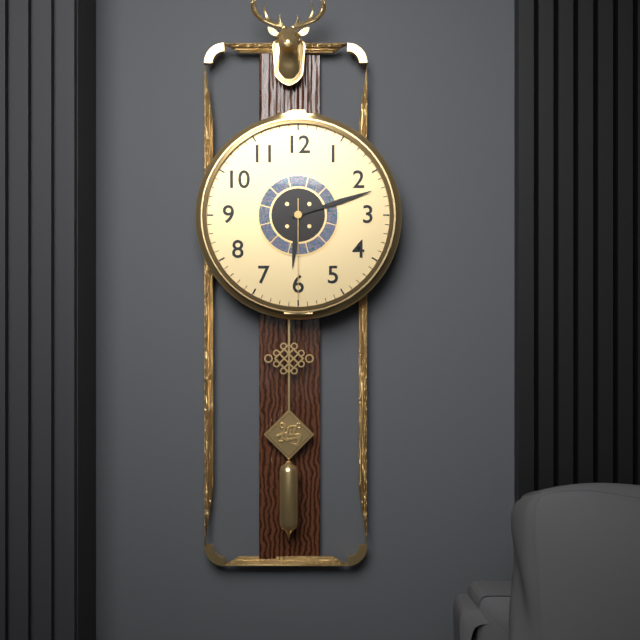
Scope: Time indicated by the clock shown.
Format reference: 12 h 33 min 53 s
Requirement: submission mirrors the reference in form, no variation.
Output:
6 h 12 min 30 s
